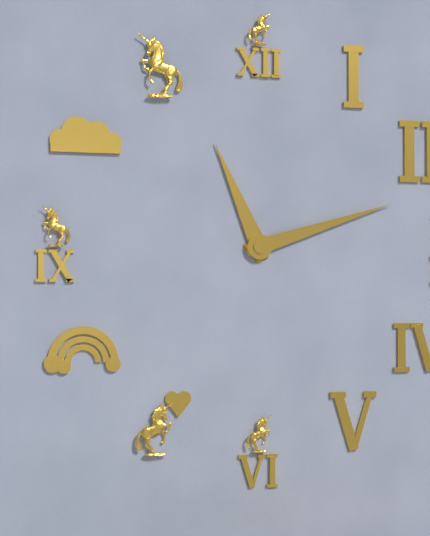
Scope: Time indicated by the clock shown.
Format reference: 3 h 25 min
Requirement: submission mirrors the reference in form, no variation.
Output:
11 h 12 min
